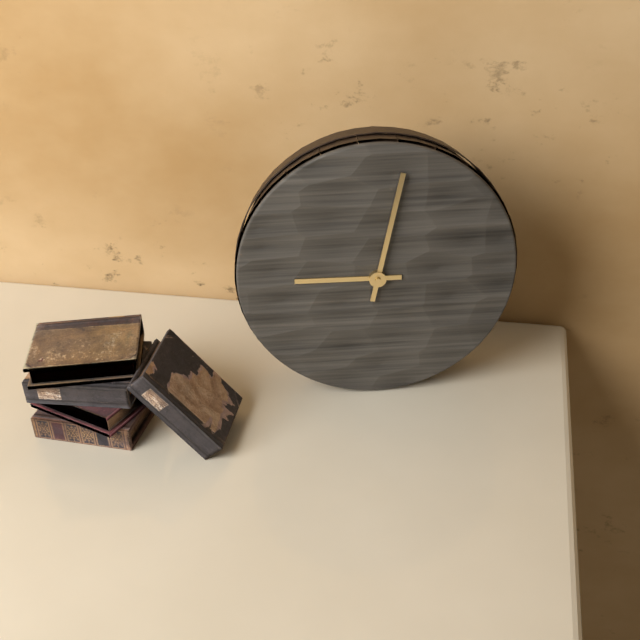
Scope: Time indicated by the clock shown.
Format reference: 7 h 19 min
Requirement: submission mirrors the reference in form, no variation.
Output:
9 h 02 min
